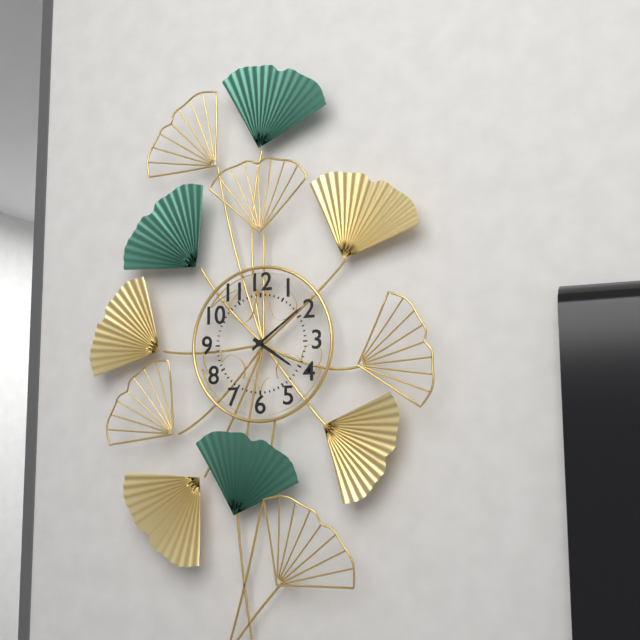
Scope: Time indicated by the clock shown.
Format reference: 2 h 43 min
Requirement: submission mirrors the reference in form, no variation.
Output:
4 h 09 min
